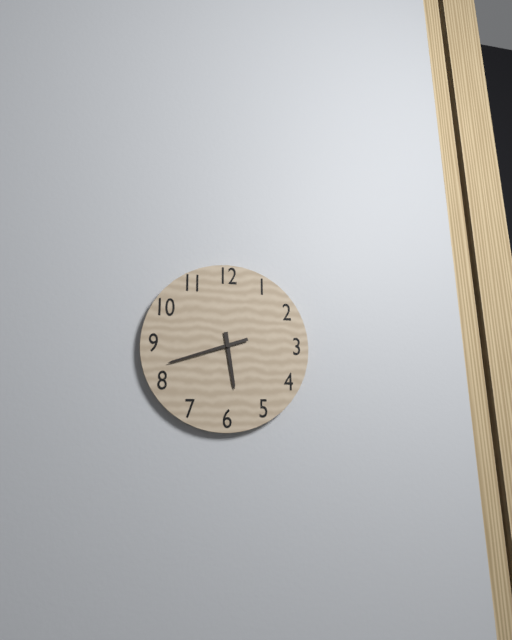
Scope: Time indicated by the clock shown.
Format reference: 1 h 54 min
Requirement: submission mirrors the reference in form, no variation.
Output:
5 h 42 min
